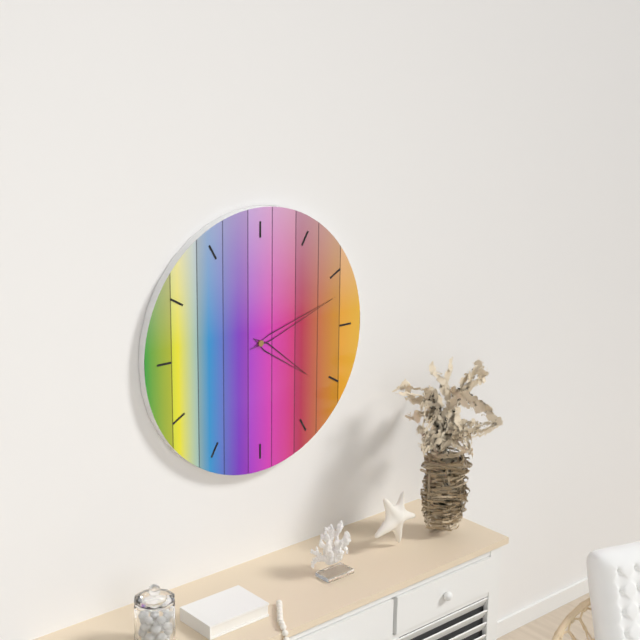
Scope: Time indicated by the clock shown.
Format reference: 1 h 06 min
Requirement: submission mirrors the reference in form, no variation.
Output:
4 h 12 min
